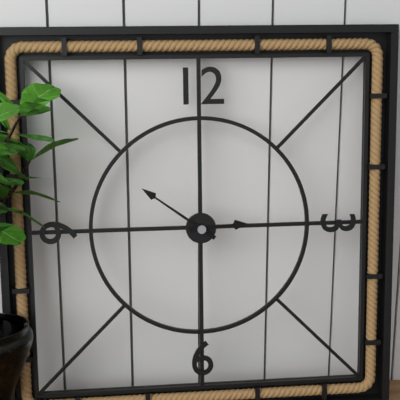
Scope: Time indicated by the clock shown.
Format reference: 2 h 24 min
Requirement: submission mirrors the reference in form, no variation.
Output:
2 h 51 min
